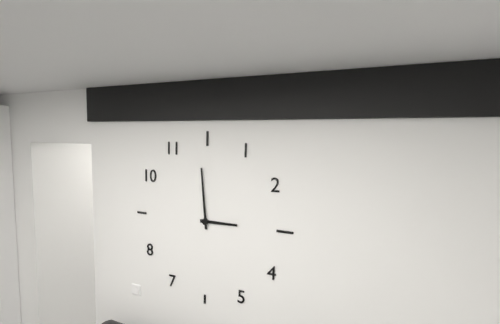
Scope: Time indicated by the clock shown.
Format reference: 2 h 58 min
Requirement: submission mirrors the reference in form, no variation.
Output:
2 h 59 min
